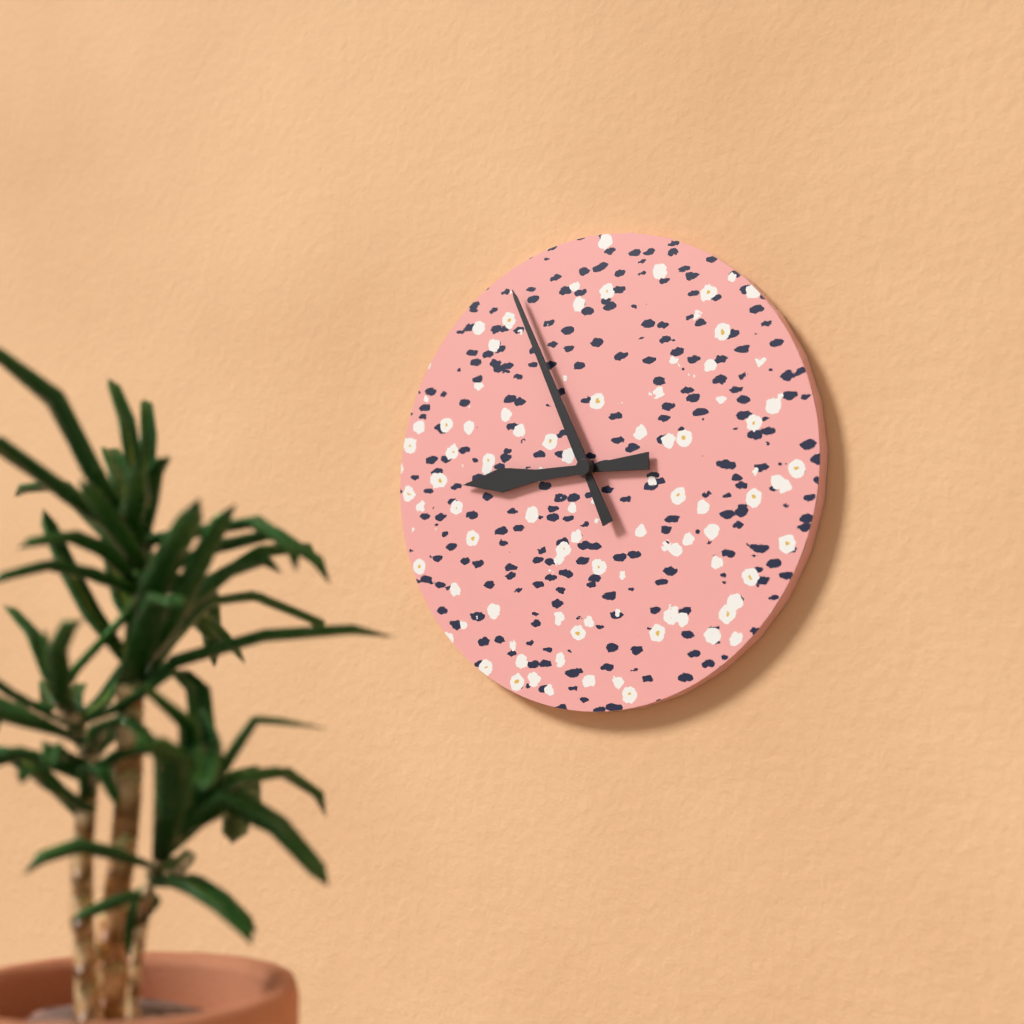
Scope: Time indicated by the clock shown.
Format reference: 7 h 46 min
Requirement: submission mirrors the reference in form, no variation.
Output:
8 h 56 min
